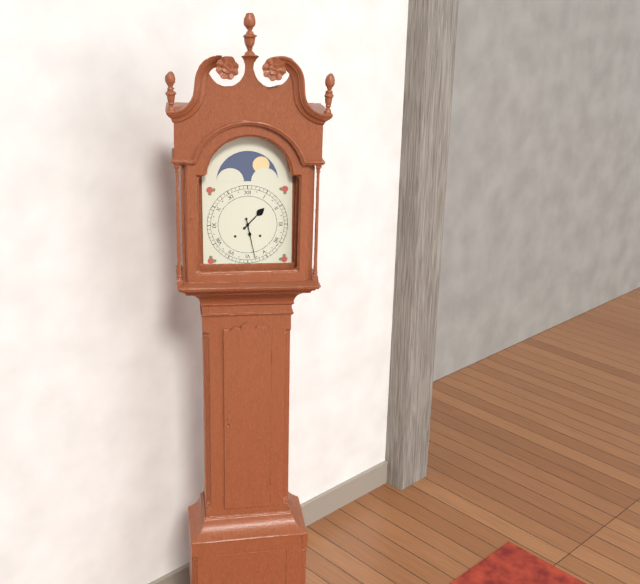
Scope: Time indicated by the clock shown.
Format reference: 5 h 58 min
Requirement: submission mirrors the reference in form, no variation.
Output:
1 h 28 min
